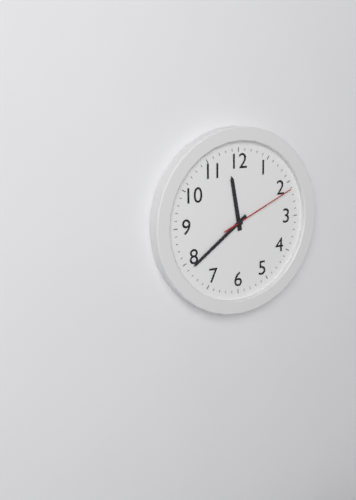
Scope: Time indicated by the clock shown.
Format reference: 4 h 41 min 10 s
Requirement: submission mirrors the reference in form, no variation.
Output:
11 h 39 min 11 s
